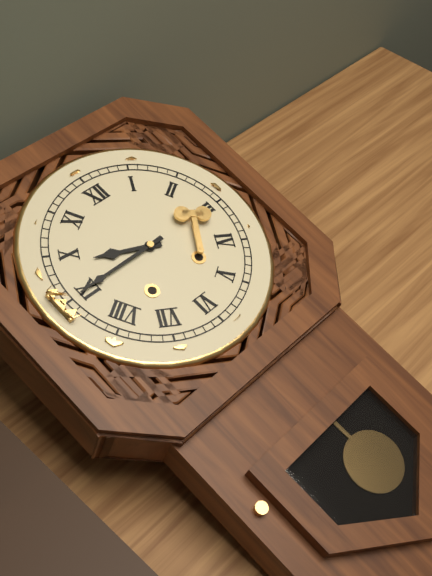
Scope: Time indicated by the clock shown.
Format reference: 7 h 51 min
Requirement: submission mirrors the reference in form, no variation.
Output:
9 h 45 min
